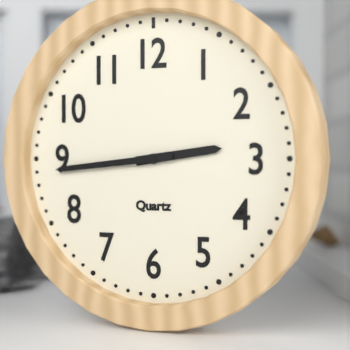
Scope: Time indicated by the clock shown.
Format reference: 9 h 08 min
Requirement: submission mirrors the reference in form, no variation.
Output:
2 h 44 min
